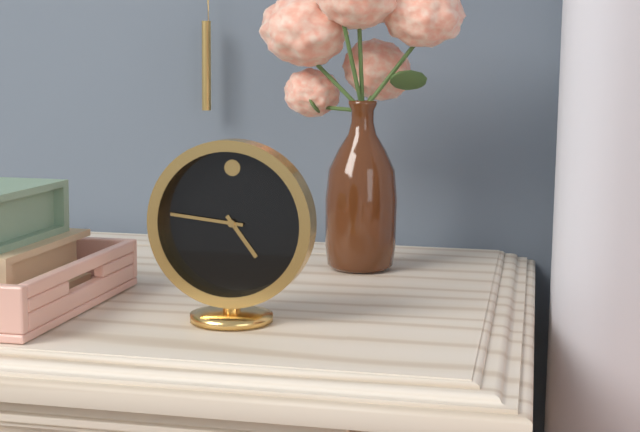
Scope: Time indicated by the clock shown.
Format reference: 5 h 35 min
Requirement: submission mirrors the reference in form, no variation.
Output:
4 h 46 min
